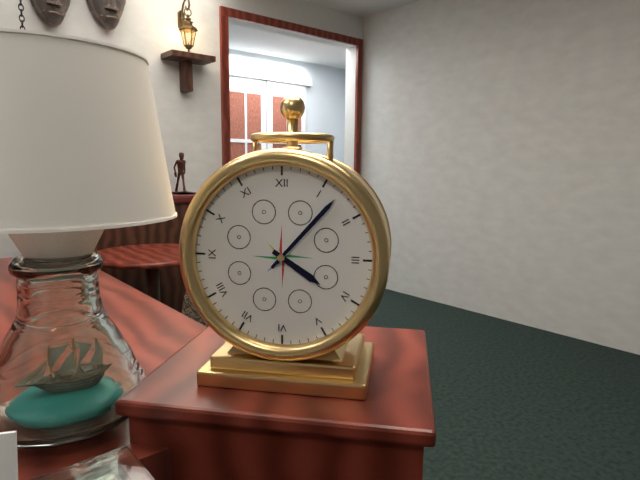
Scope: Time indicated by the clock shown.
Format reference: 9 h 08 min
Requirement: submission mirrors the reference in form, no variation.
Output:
4 h 07 min
